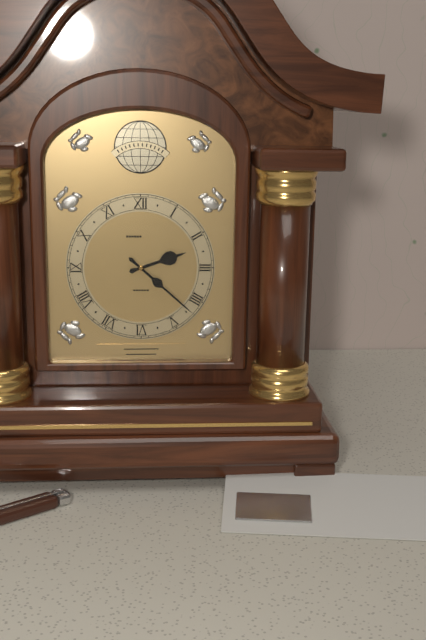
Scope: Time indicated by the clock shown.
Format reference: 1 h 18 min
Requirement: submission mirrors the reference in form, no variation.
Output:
2 h 22 min
